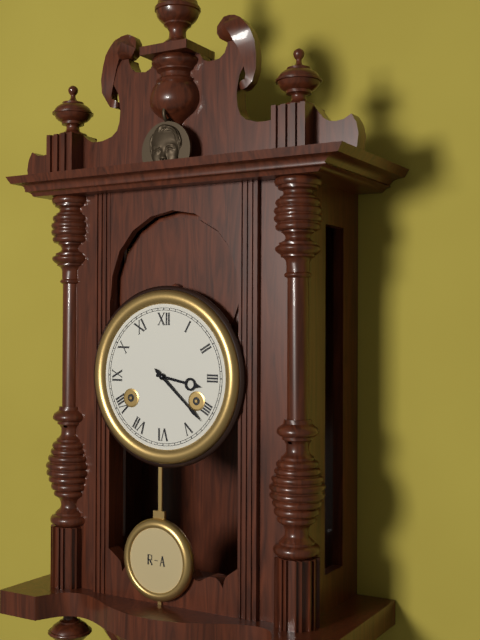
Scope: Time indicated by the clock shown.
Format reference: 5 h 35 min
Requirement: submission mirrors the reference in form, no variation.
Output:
3 h 22 min
